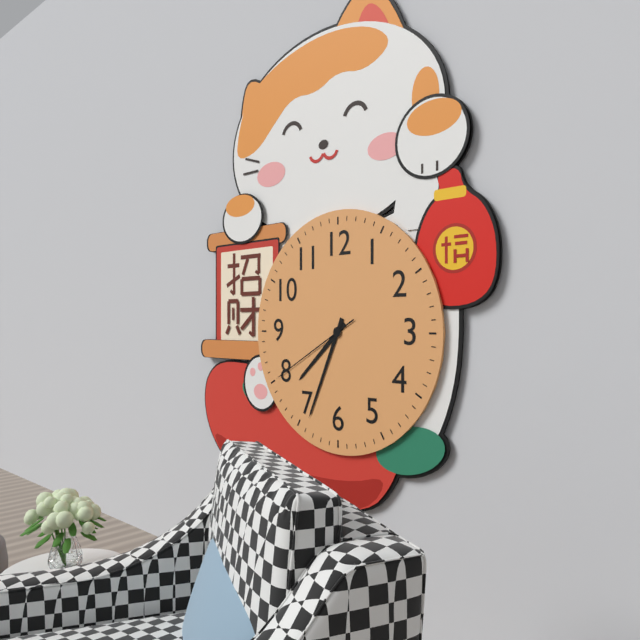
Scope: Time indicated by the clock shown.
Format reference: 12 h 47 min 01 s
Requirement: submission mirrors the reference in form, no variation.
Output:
7 h 34 min 40 s
